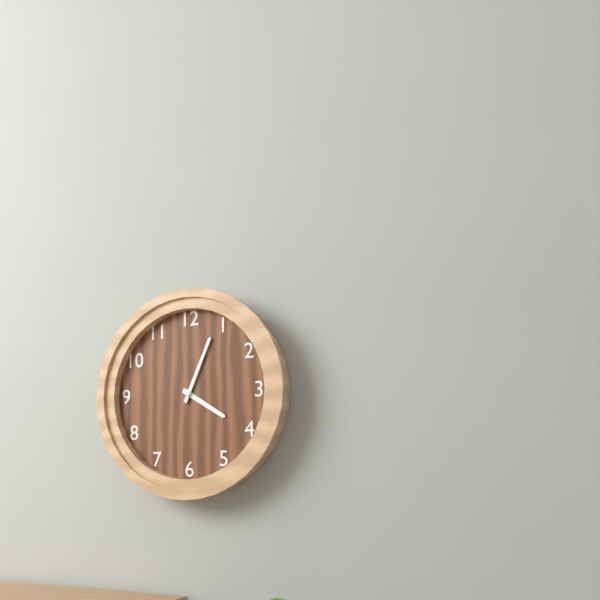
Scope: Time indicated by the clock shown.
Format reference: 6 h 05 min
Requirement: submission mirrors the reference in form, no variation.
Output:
4 h 04 min
